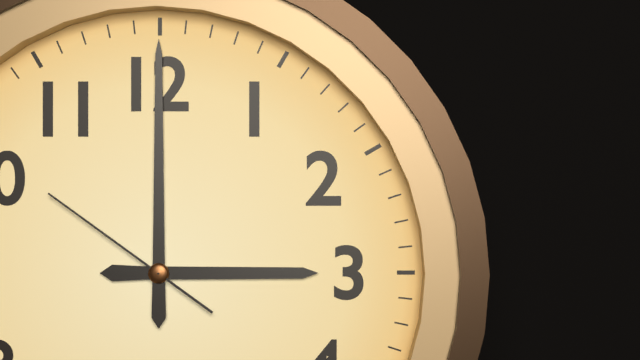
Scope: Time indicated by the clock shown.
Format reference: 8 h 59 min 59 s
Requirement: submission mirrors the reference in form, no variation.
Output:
3 h 00 min 51 s
